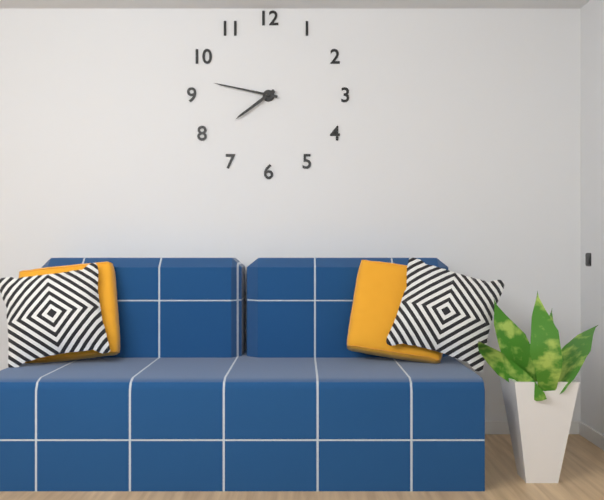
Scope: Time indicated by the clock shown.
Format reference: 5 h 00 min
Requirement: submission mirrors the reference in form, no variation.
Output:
7 h 47 min
